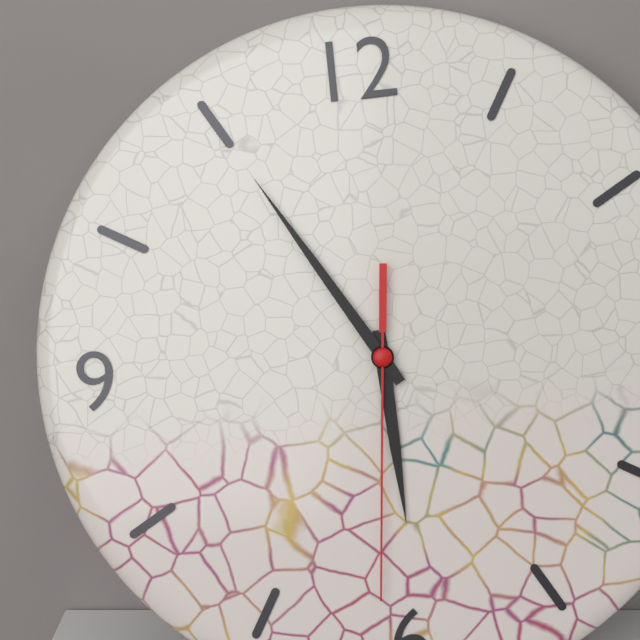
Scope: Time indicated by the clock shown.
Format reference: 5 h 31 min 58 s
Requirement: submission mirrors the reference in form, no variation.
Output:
5 h 55 min 31 s
